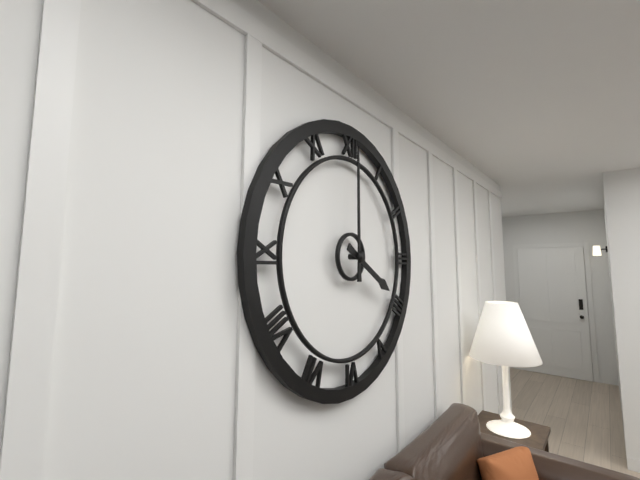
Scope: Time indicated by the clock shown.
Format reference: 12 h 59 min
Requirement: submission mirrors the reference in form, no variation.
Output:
4 h 00 min
